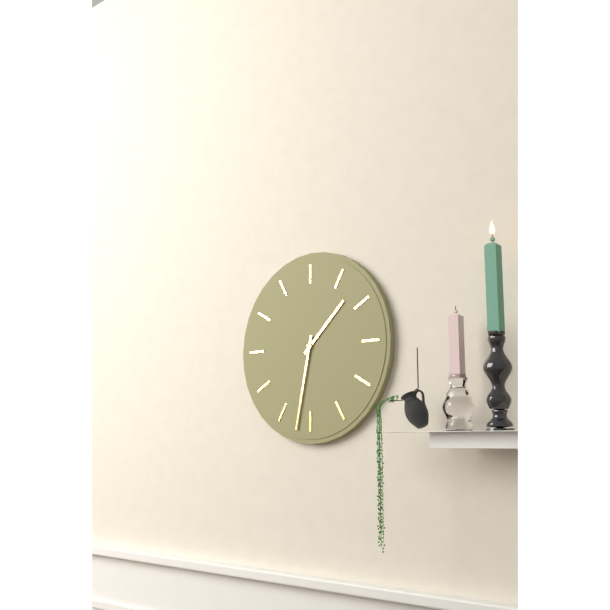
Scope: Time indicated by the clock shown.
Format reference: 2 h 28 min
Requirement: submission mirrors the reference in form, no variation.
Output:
1 h 32 min
